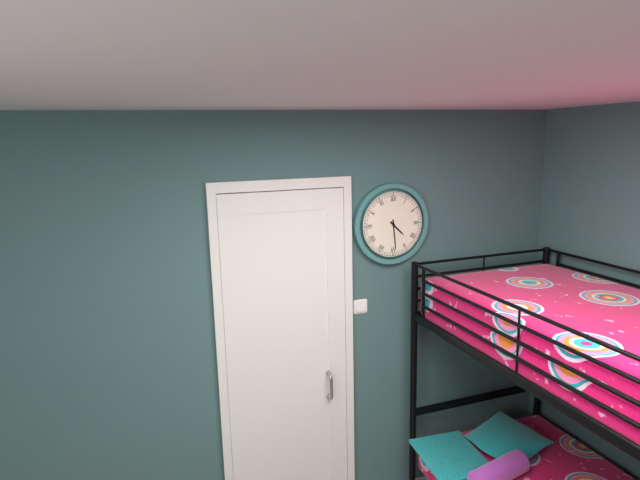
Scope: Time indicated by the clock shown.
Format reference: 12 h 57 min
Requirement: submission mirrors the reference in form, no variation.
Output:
4 h 29 min
